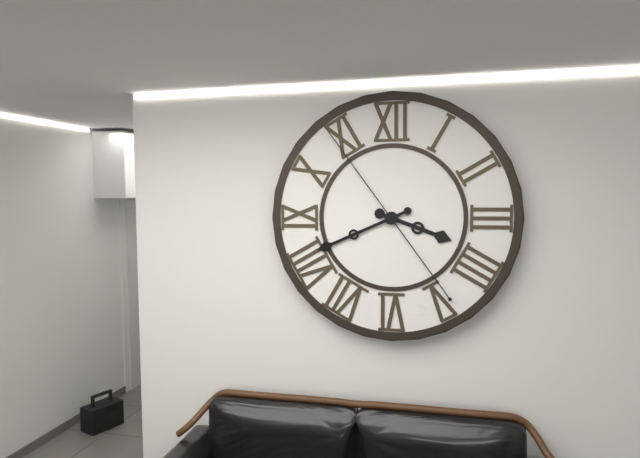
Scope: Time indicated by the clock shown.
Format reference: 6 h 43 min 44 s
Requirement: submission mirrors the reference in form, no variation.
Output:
3 h 41 min 54 s
